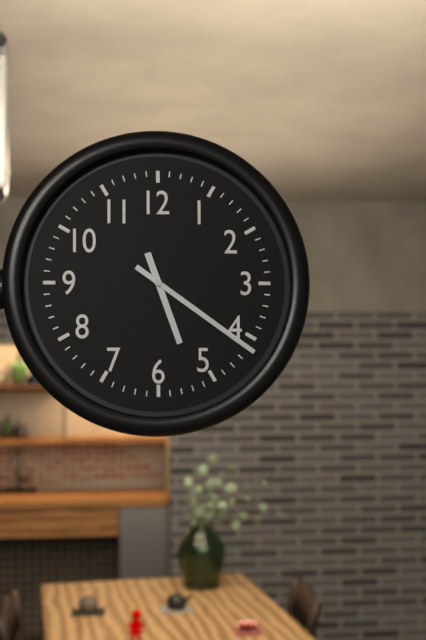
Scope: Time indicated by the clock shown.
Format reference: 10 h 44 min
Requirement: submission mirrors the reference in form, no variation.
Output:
5 h 21 min
